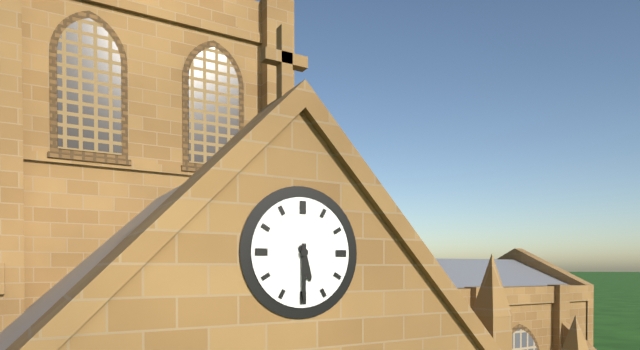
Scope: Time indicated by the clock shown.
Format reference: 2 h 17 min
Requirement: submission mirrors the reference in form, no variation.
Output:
5 h 30 min
